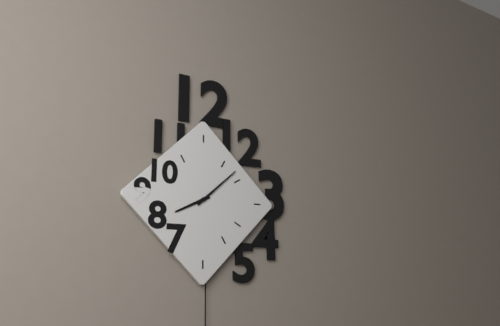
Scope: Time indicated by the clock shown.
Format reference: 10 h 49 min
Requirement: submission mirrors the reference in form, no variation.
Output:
8 h 08 min
